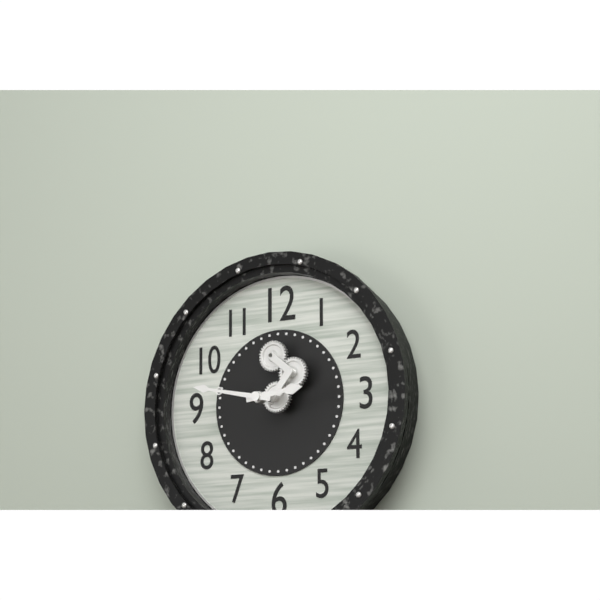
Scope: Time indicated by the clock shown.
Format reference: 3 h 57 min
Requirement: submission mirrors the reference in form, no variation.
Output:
2 h 47 min
